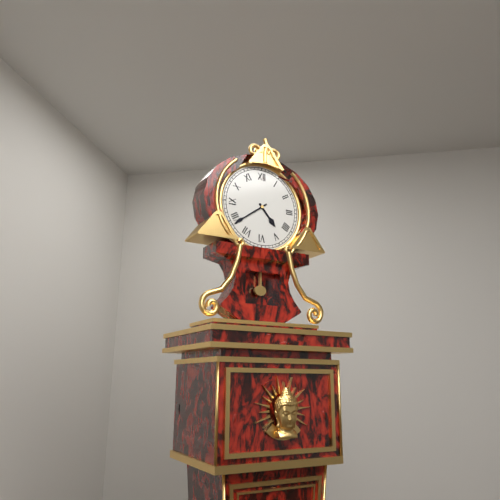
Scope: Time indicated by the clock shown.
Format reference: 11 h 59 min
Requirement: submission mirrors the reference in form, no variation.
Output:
4 h 39 min
